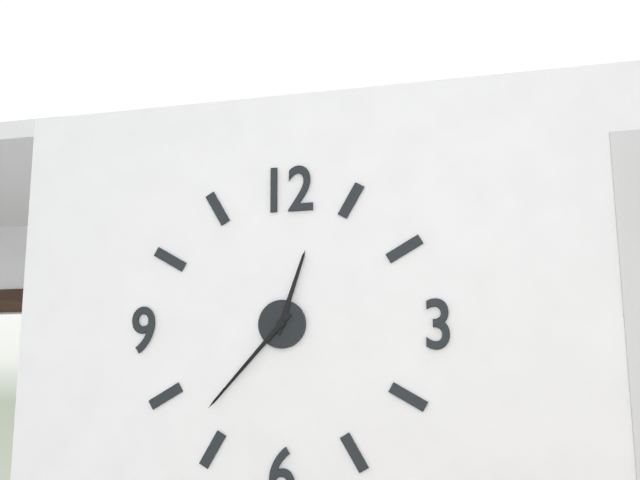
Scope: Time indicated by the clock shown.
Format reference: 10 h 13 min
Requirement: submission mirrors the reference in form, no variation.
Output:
12 h 37 min
